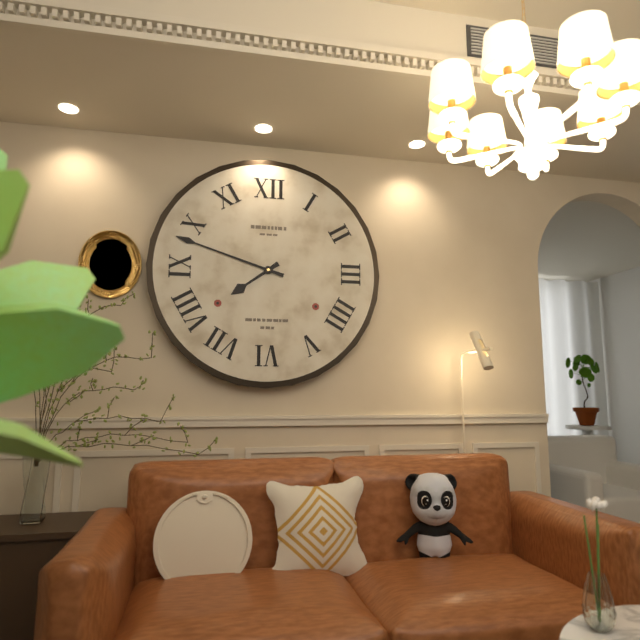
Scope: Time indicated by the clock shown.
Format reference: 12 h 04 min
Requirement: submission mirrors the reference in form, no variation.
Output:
7 h 48 min
